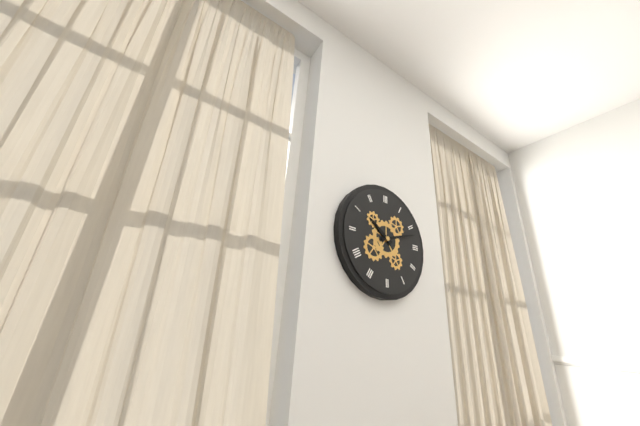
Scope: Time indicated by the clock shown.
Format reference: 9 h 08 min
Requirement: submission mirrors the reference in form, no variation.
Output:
10 h 12 min
